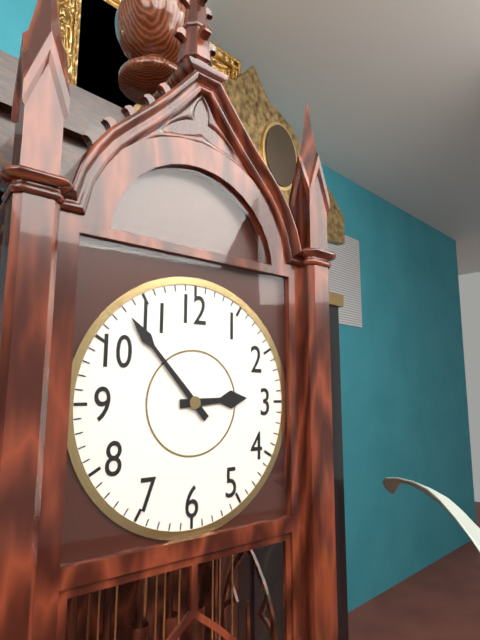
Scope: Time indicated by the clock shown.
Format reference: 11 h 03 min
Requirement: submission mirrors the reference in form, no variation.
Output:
2 h 53 min
